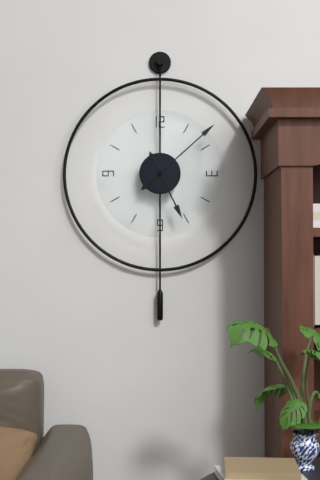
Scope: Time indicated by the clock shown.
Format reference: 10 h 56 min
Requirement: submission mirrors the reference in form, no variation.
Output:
5 h 08 min
